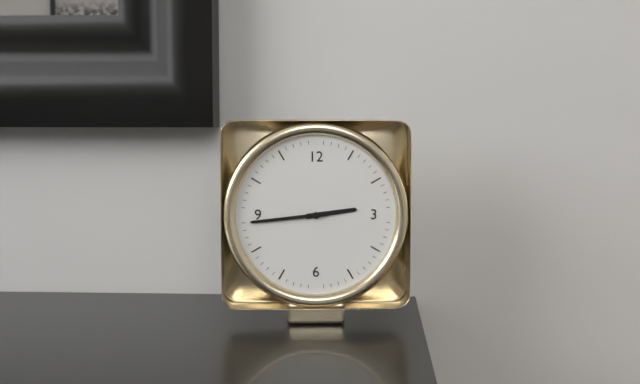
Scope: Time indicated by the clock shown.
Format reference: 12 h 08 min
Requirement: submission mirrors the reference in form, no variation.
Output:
2 h 44 min
